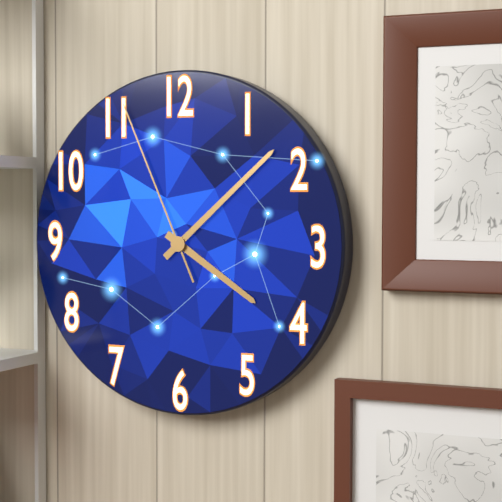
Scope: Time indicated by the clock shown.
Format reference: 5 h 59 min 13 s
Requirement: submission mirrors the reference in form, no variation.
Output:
4 h 08 min 56 s
